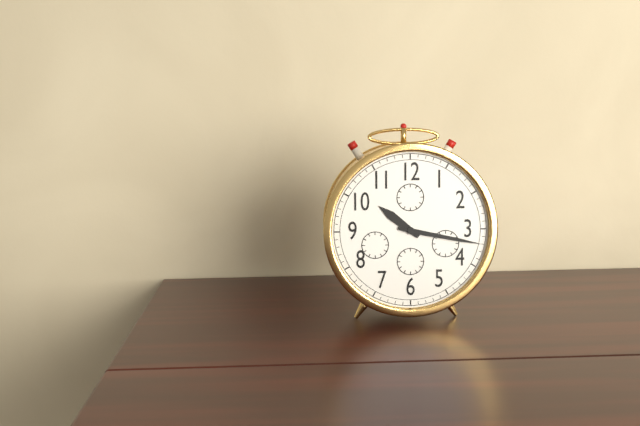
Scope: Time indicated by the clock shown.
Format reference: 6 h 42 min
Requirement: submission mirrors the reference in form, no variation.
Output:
10 h 17 min
